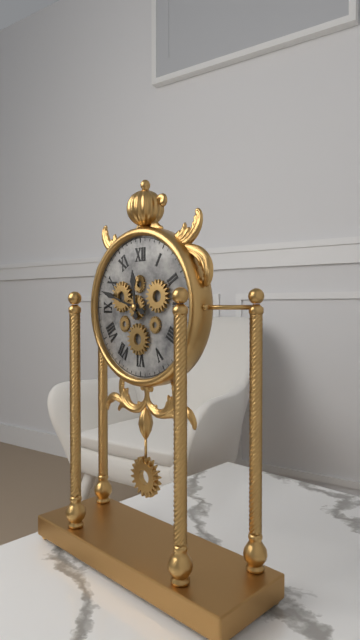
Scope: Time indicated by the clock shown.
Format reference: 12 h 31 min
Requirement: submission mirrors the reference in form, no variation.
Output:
11 h 48 min
